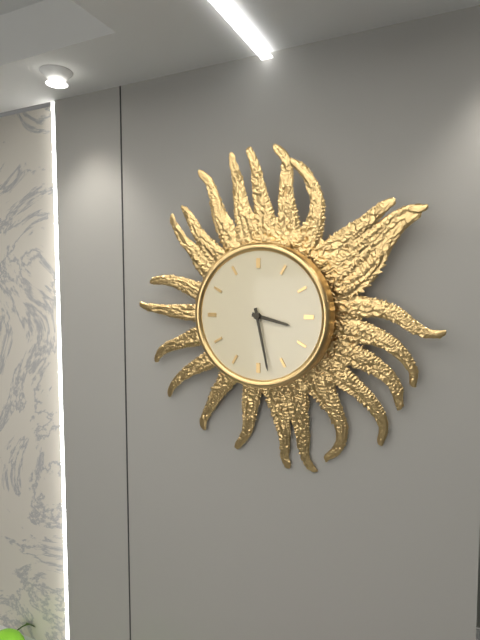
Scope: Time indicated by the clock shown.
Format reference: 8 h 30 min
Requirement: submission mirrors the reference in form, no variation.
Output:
3 h 28 min
